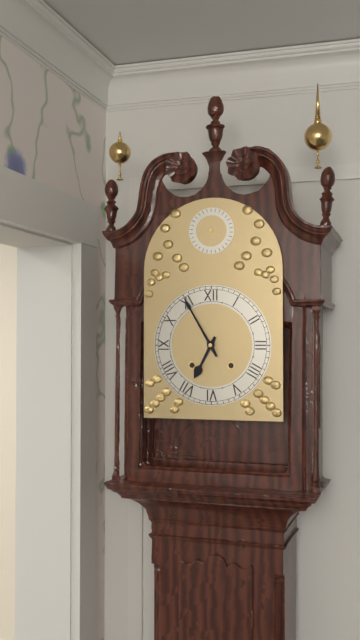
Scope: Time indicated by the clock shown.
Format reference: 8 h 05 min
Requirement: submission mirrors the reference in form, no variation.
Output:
6 h 55 min
